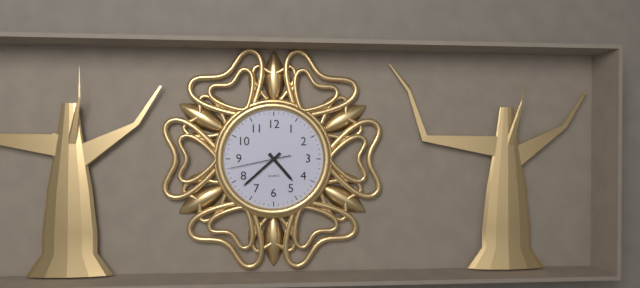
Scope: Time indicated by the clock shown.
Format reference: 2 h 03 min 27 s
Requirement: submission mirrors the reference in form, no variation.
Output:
4 h 38 min 43 s
